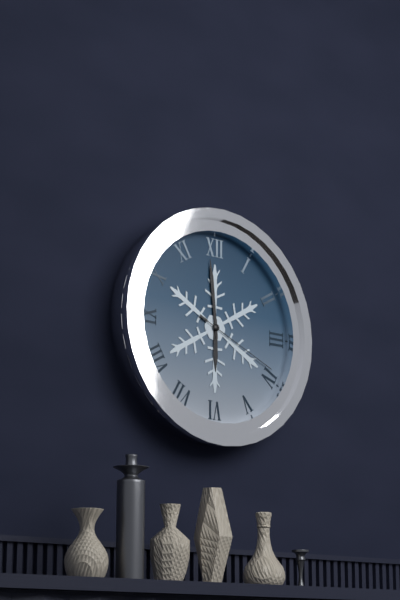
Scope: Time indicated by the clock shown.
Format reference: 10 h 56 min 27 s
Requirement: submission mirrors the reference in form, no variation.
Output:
5 h 59 min 19 s
